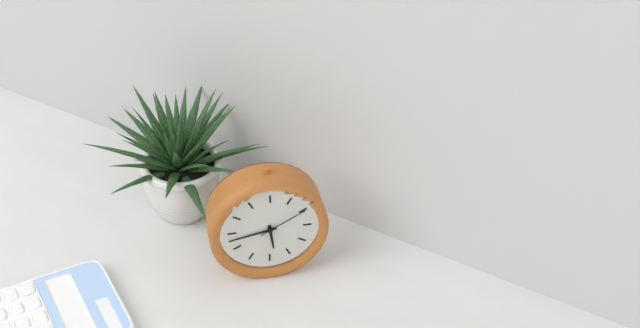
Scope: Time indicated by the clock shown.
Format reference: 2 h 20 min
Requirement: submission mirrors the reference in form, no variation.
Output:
5 h 43 min
